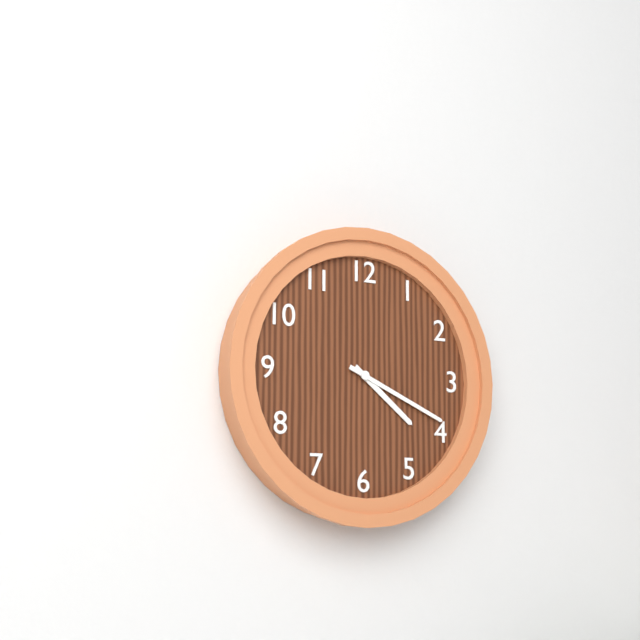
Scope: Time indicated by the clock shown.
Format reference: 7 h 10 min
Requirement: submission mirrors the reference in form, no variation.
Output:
4 h 19 min
